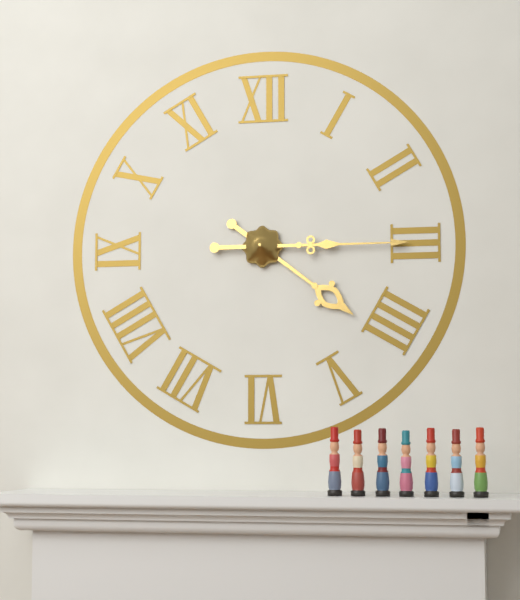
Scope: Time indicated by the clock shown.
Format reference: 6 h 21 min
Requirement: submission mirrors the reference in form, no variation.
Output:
4 h 15 min
